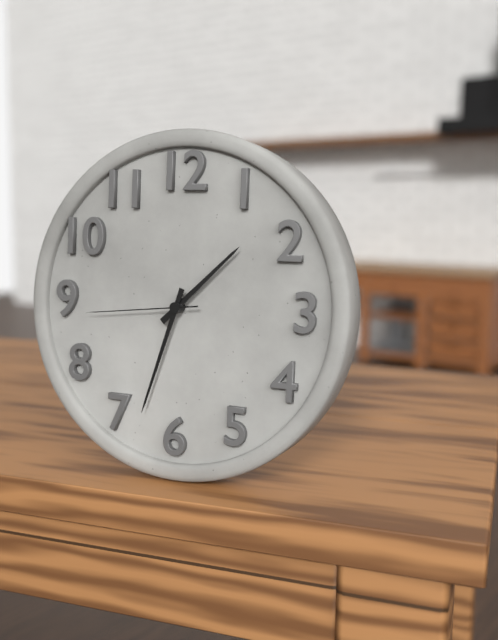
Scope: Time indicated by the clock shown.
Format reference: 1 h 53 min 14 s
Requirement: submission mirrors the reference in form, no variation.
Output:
1 h 33 min 44 s
